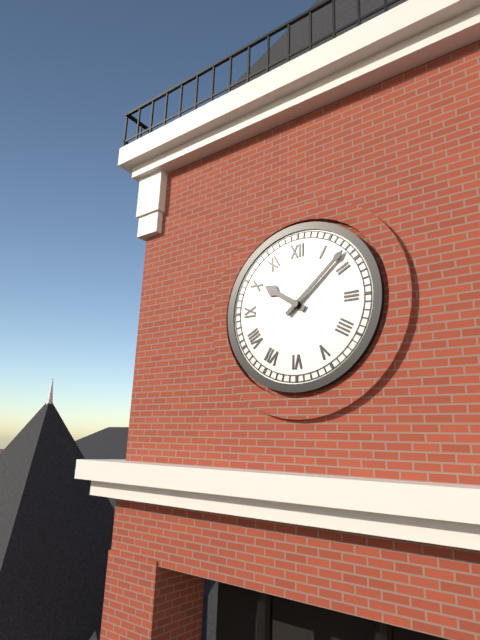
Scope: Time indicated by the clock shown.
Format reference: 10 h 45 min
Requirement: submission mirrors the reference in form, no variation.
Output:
10 h 08 min
